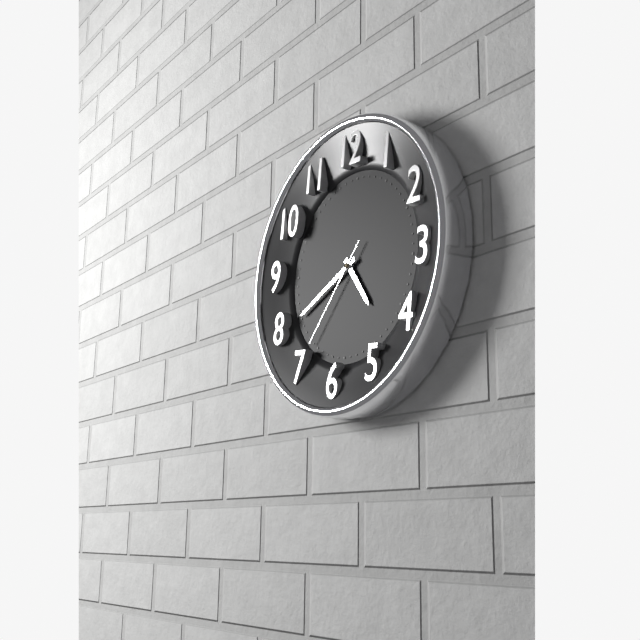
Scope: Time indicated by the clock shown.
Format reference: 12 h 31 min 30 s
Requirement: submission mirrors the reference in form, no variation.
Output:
4 h 40 min 36 s
